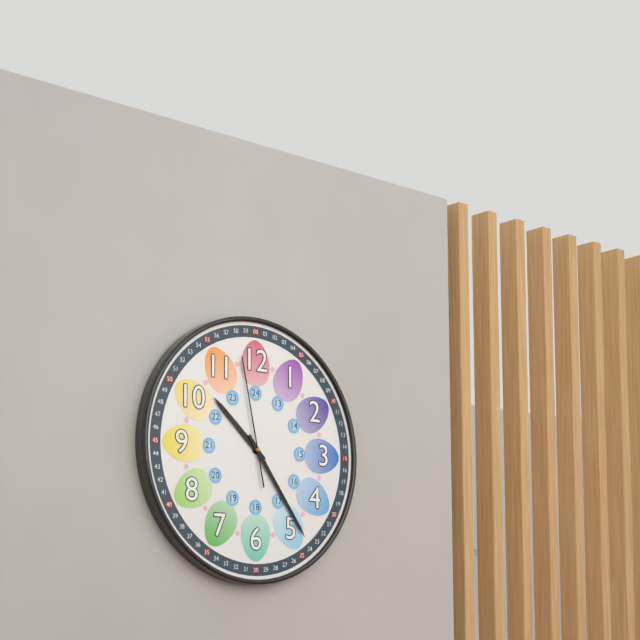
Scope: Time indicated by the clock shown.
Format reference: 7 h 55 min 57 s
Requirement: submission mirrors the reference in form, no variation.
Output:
10 h 24 min 58 s
